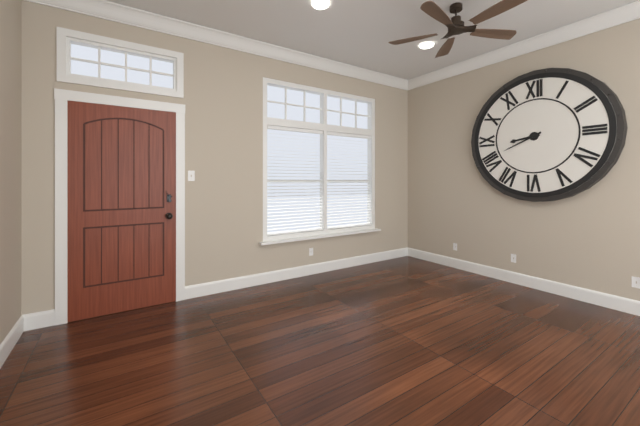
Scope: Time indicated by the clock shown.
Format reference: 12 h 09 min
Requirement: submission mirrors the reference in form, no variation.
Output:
8 h 41 min
